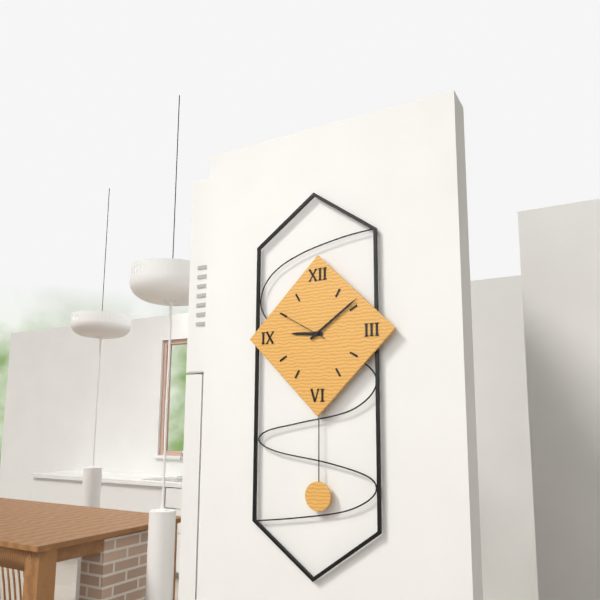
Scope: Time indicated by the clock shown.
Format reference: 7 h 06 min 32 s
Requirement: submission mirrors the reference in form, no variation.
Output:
9 h 09 min 50 s
